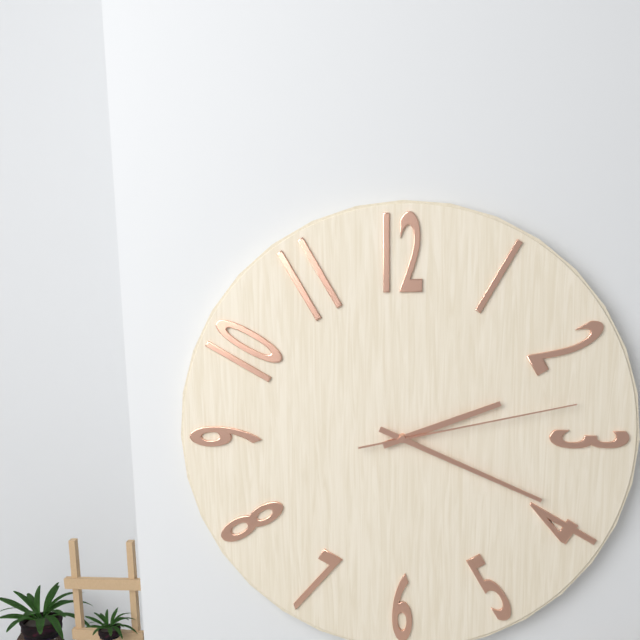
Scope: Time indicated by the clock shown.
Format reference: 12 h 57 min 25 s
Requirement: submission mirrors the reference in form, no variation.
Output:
2 h 19 min 13 s
